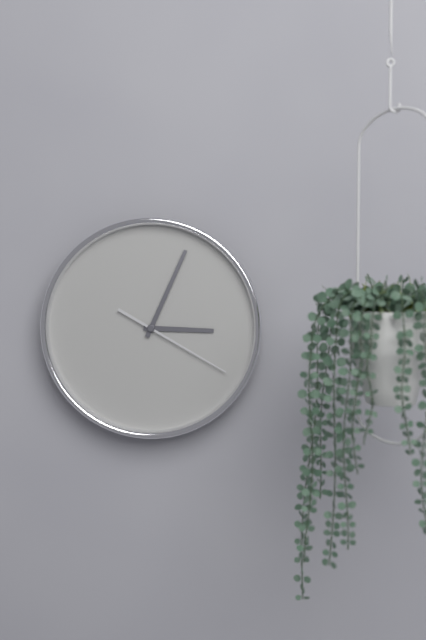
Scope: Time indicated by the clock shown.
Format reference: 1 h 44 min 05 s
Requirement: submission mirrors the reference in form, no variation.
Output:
3 h 04 min 20 s
